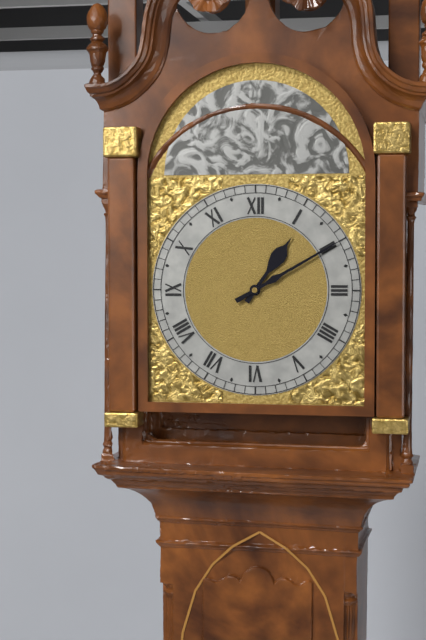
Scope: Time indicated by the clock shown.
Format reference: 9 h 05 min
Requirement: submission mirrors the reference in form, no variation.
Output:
1 h 10 min
